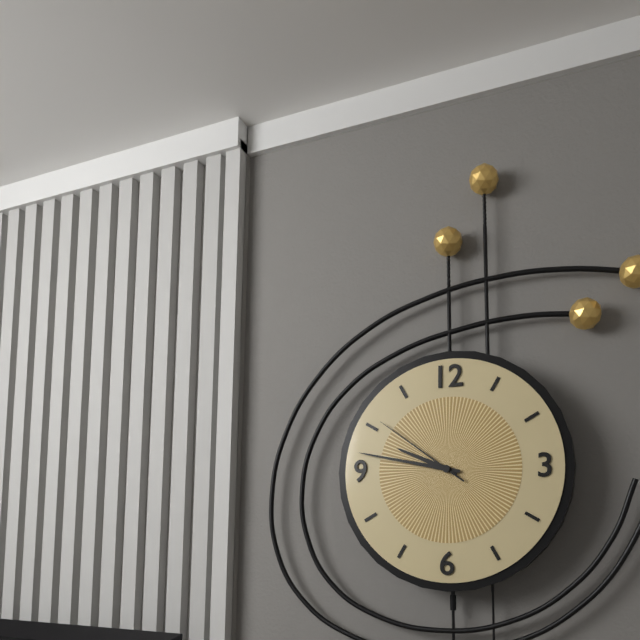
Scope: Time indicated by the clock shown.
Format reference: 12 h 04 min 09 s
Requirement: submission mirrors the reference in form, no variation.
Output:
9 h 47 min 51 s
